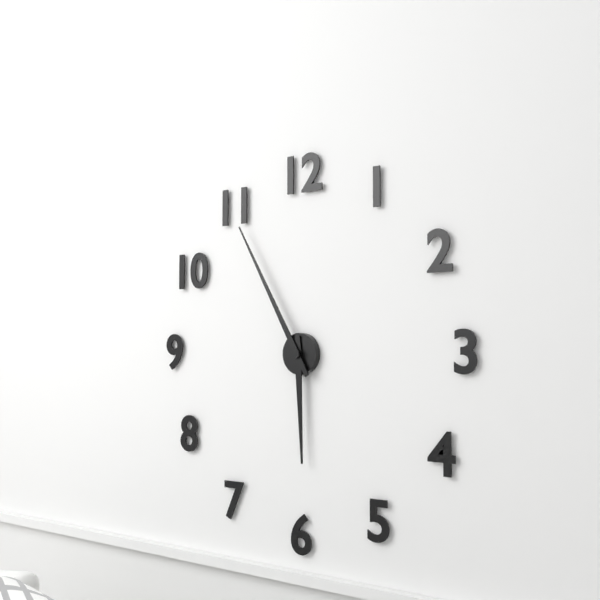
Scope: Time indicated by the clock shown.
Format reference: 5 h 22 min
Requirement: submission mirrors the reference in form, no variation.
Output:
5 h 55 min
